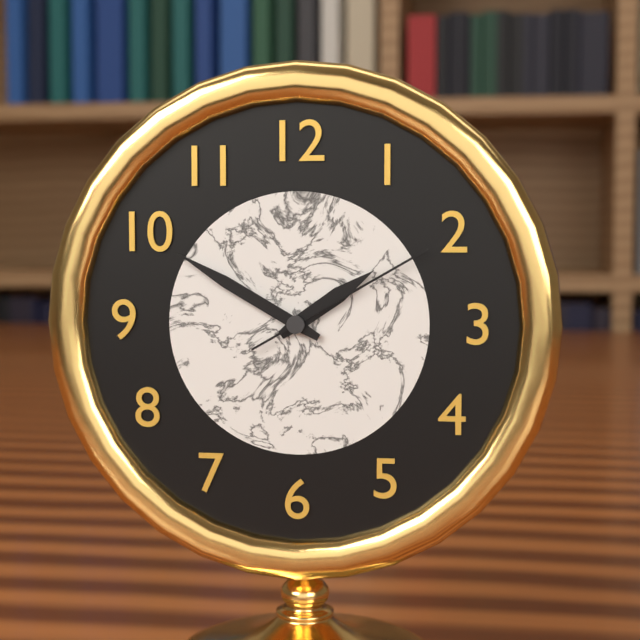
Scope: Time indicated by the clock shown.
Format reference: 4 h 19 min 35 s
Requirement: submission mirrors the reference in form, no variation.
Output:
1 h 50 min 10 s
